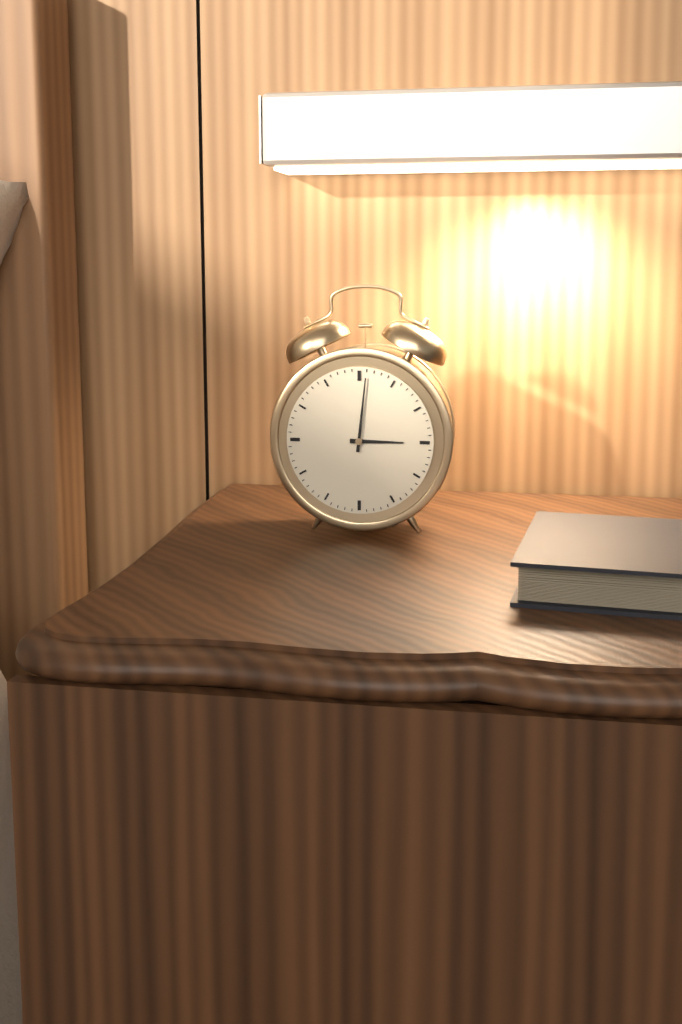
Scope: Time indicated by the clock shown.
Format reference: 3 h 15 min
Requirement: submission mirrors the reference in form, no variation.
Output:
3 h 01 min
